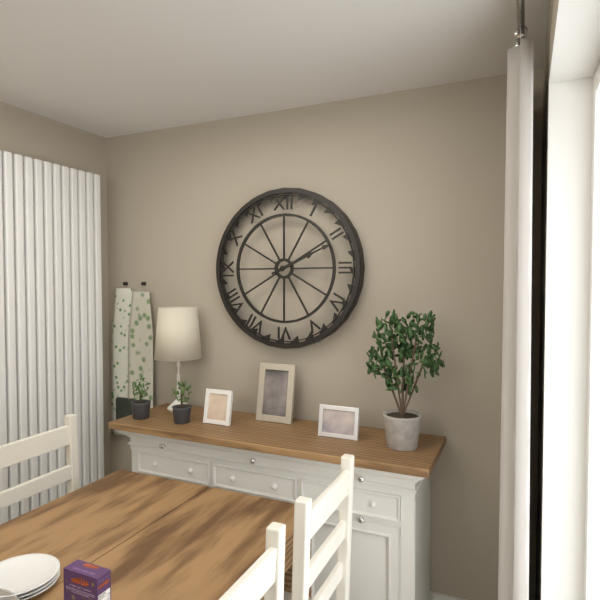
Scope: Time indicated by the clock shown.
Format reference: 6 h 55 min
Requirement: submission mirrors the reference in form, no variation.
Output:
2 h 11 min
